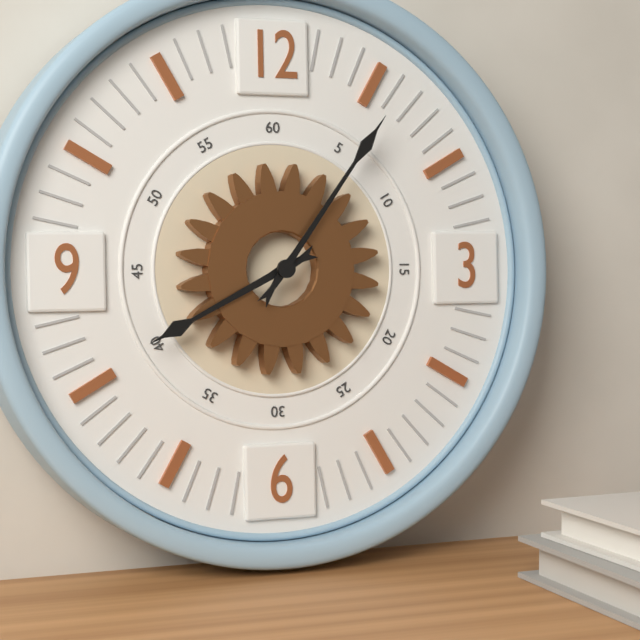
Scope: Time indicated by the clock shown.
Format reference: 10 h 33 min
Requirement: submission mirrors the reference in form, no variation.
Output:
8 h 06 min
